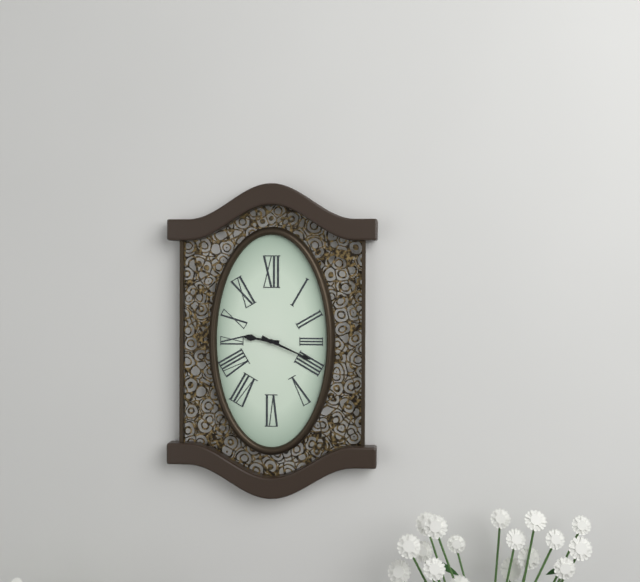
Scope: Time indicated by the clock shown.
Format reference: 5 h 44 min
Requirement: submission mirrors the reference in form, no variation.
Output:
9 h 19 min
